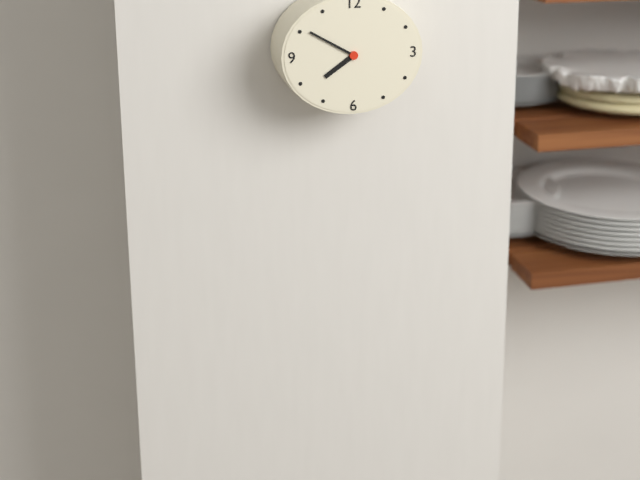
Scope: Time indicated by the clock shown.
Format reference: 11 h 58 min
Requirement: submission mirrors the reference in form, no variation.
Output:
7 h 50 min
